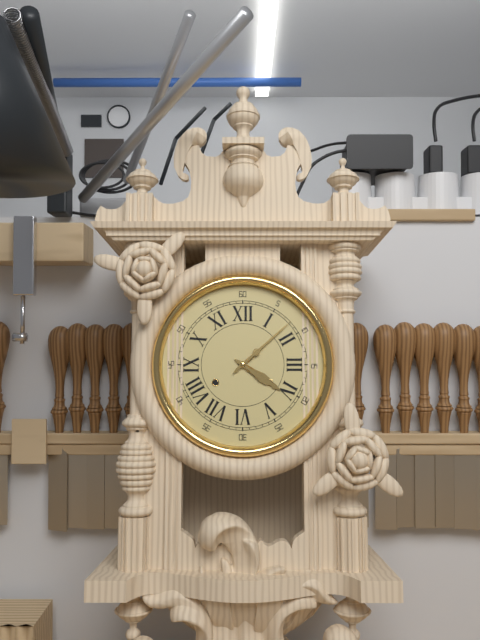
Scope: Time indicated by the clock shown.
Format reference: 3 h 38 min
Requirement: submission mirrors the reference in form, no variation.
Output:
4 h 08 min
